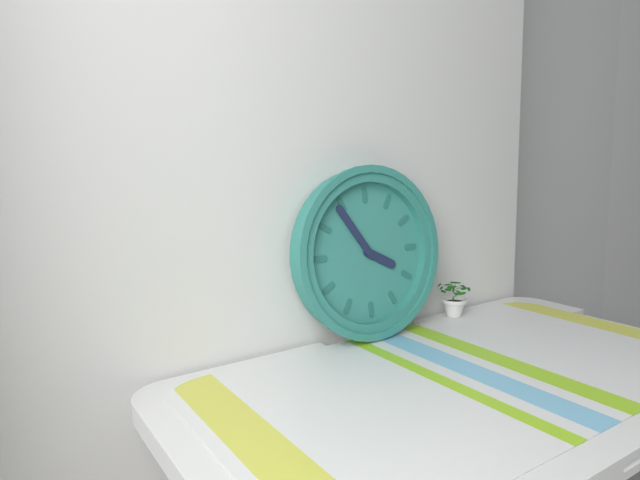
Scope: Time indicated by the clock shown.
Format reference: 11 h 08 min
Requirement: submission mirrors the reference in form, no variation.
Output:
3 h 54 min
